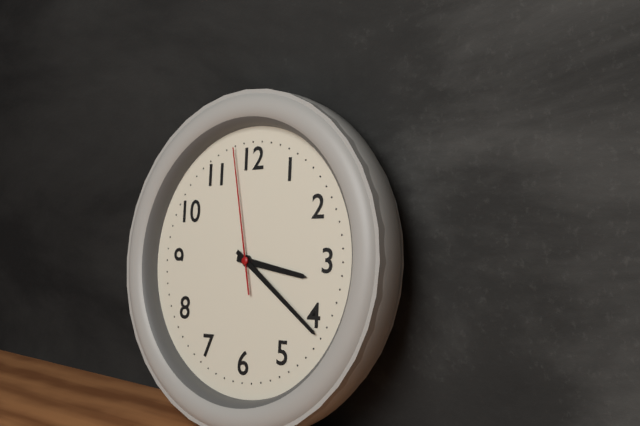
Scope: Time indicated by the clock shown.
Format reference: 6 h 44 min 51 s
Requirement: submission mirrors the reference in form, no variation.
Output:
3 h 21 min 58 s
